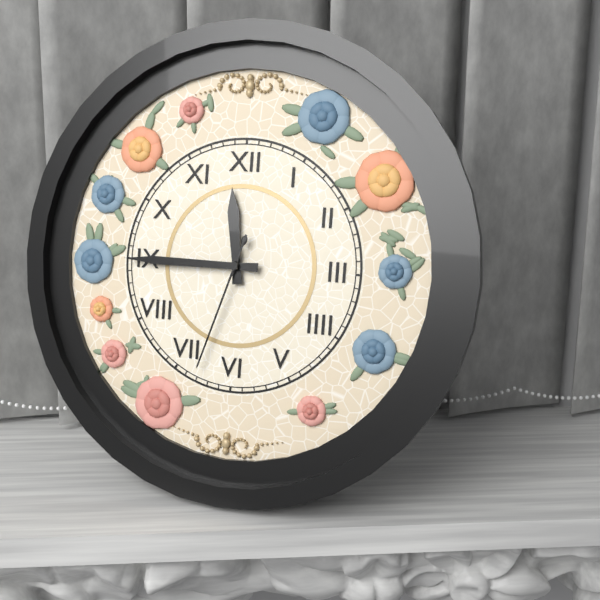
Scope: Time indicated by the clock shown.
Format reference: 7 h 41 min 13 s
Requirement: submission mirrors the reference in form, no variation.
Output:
11 h 45 min 33 s
